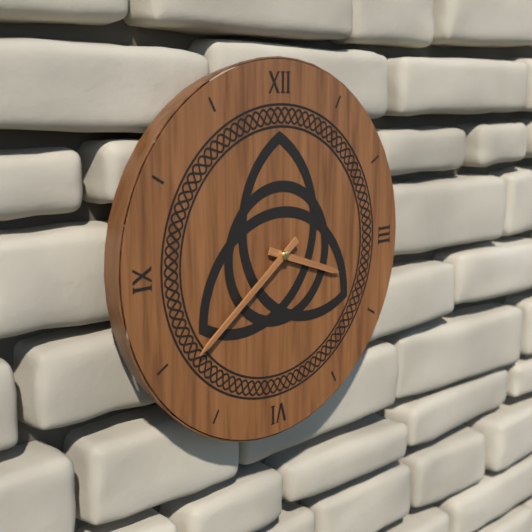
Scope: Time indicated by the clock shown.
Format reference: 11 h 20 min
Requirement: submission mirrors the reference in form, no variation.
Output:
3 h 39 min
